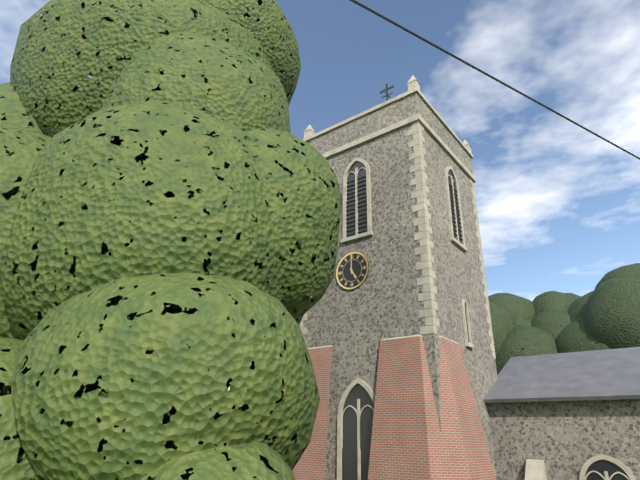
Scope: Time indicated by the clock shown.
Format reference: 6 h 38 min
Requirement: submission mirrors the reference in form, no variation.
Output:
5 h 00 min
